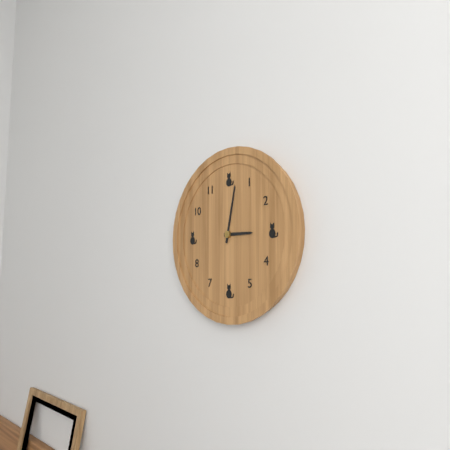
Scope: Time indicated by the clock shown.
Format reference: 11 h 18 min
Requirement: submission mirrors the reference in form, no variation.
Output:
3 h 02 min
